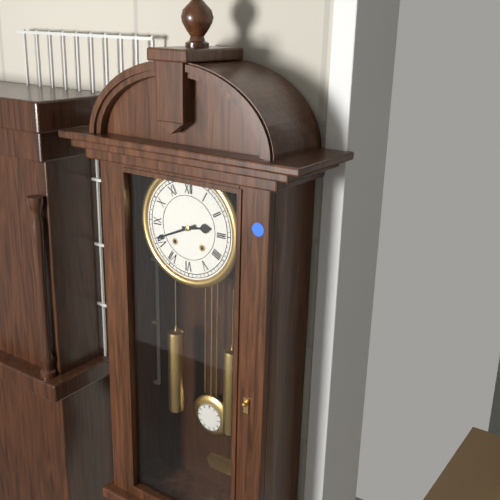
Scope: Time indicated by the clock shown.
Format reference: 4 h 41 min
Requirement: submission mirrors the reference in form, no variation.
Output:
2 h 41 min
